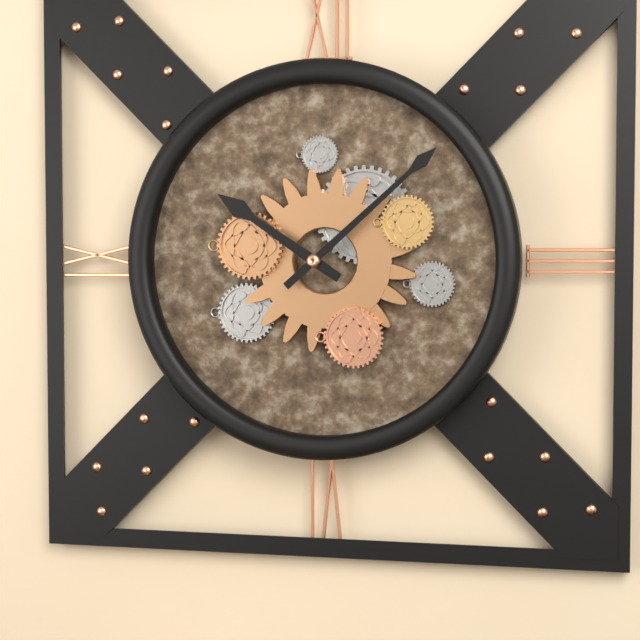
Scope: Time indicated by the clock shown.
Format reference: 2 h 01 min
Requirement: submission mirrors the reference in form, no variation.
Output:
10 h 08 min
